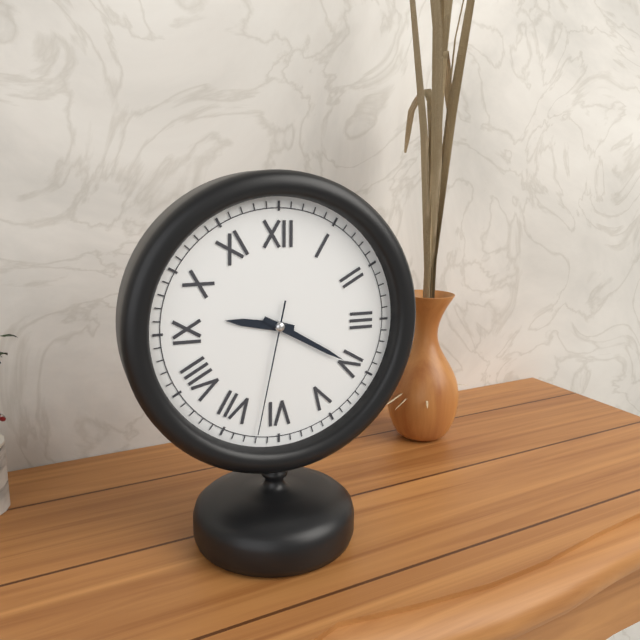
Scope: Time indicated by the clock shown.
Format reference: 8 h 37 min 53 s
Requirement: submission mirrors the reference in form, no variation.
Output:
9 h 20 min 32 s
